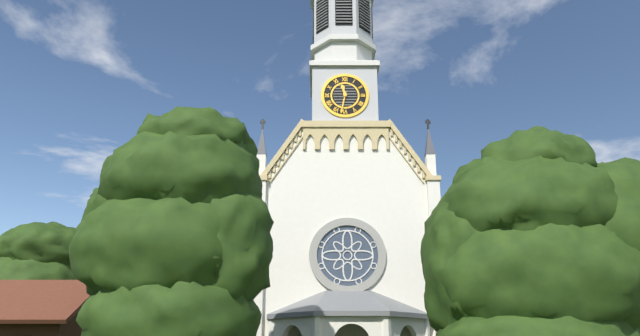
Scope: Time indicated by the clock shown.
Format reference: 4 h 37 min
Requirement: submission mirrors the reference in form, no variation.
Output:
11 h 32 min
